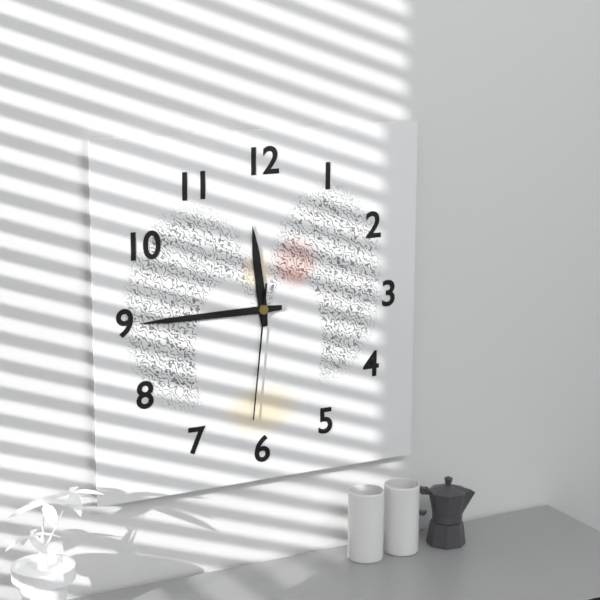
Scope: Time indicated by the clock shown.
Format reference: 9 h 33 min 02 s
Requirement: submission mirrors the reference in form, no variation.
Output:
11 h 45 min 31 s
